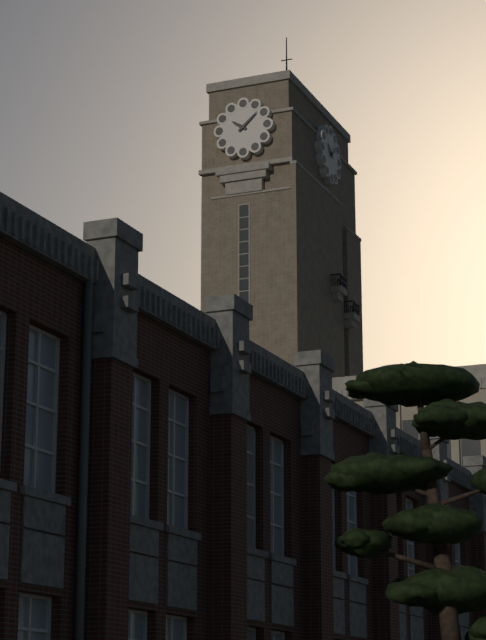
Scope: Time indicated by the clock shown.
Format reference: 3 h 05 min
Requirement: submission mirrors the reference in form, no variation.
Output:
10 h 08 min
